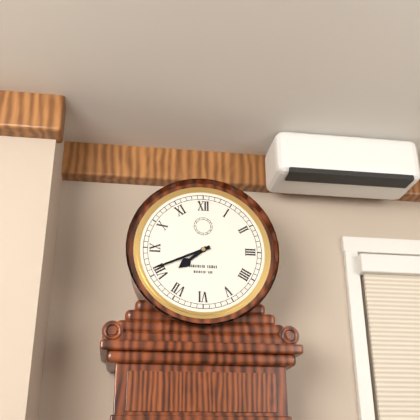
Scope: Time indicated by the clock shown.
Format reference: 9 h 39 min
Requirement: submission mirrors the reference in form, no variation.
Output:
7 h 41 min
